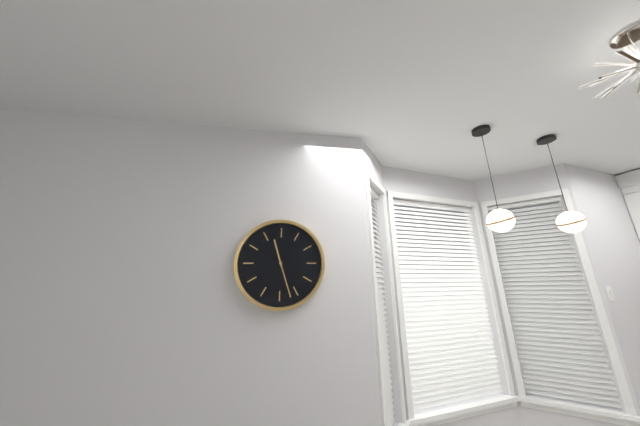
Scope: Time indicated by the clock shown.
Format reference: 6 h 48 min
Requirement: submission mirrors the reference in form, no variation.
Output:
11 h 27 min
